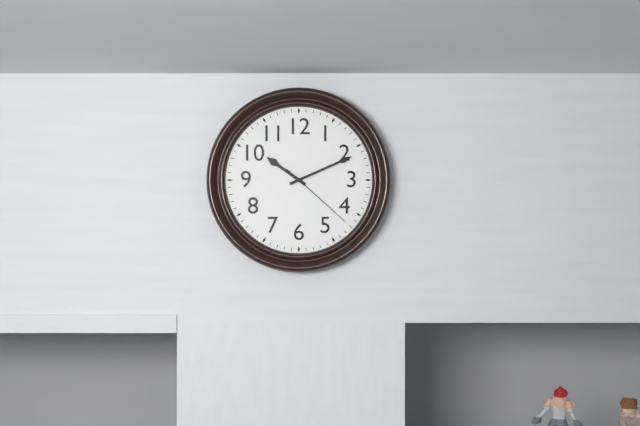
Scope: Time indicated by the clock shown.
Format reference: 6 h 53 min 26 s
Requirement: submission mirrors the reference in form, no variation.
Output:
10 h 11 min 22 s
